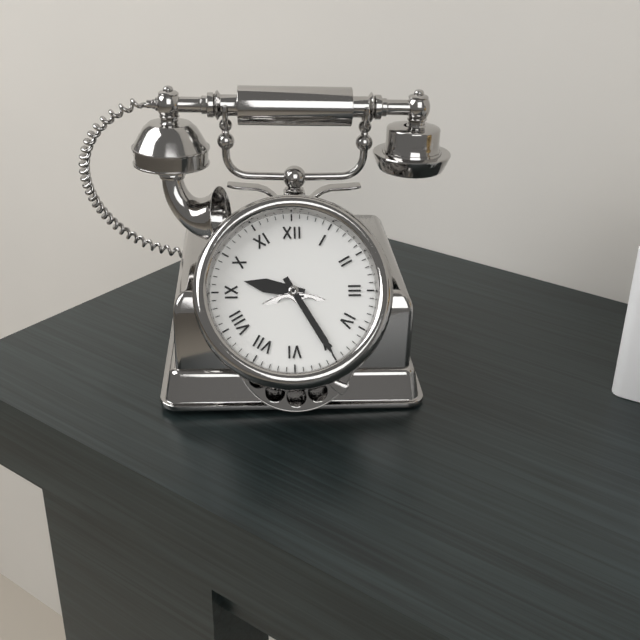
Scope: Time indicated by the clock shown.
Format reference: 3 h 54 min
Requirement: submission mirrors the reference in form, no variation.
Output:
9 h 25 min
